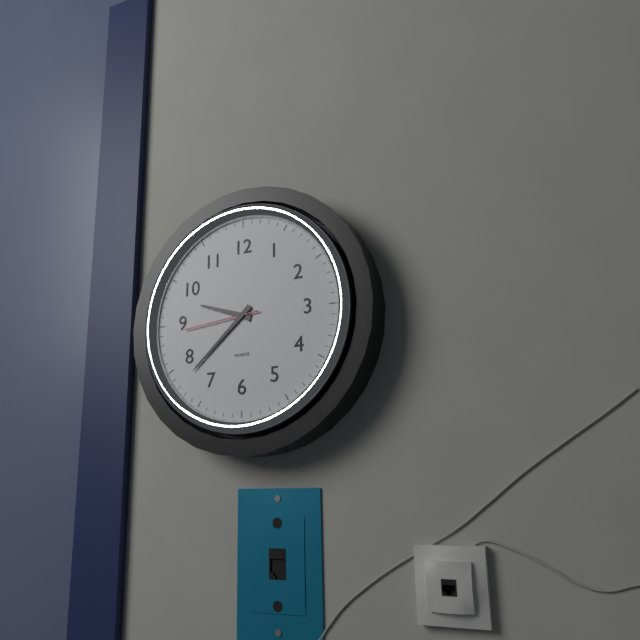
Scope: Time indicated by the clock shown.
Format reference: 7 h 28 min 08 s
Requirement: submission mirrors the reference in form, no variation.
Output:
9 h 38 min 44 s
